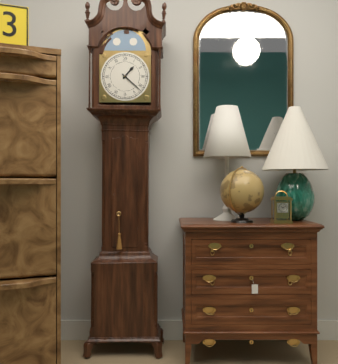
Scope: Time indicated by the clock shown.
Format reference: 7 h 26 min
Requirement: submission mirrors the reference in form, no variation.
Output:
1 h 22 min
